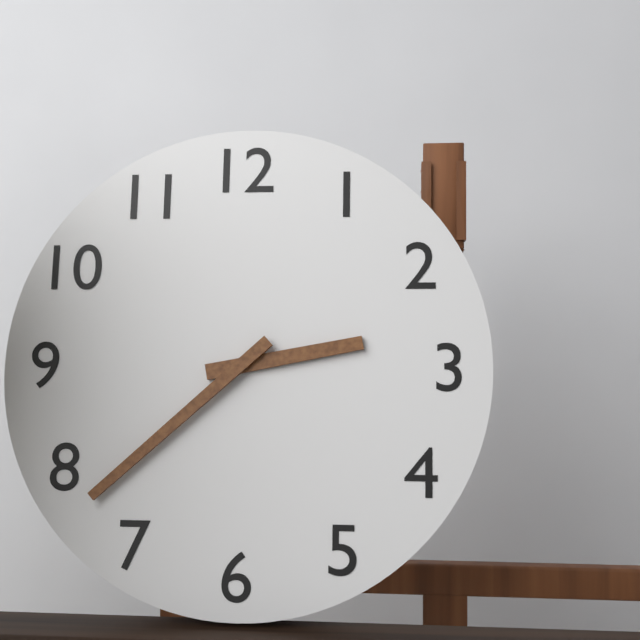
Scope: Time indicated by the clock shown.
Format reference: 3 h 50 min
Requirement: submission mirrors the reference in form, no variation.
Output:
2 h 38 min
